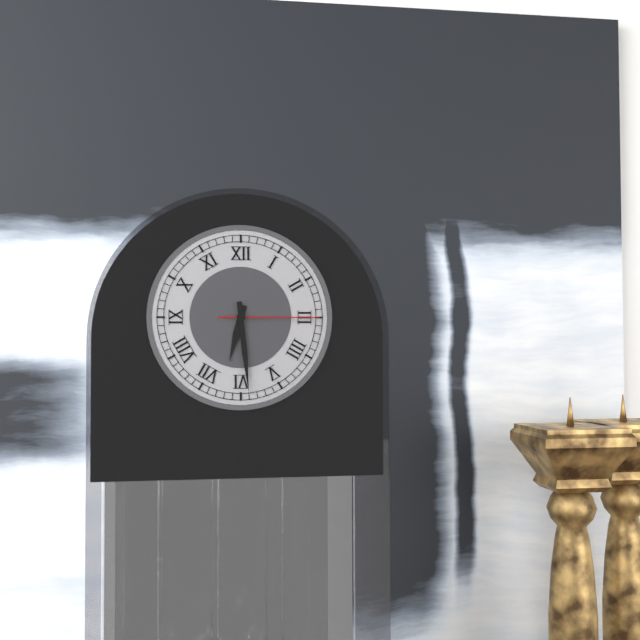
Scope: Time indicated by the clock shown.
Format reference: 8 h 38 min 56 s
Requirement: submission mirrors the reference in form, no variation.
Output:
6 h 29 min 15 s
